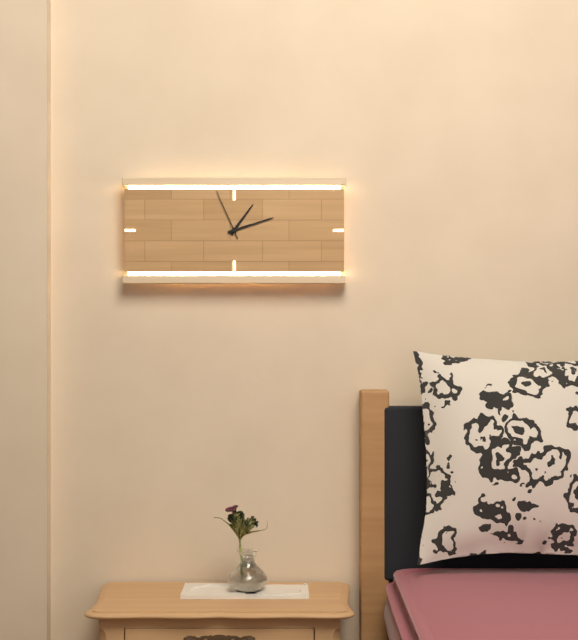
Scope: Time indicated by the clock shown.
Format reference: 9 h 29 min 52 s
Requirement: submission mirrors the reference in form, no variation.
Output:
1 h 12 min 56 s
